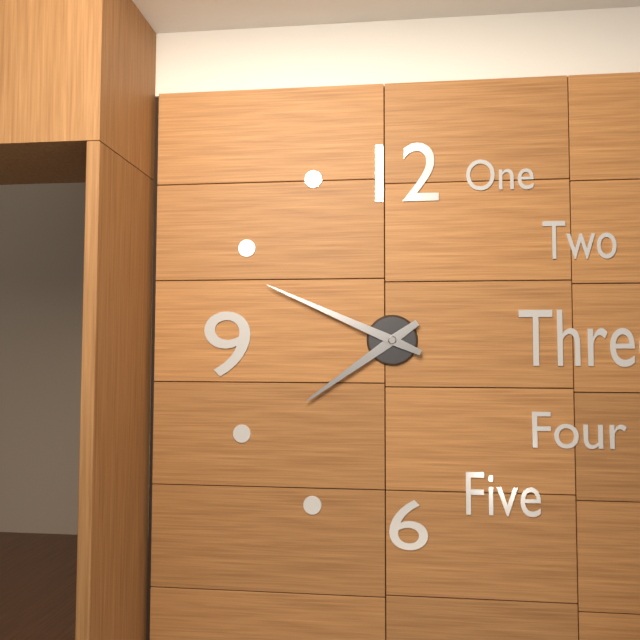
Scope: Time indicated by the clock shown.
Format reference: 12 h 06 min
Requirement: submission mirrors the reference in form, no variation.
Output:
7 h 49 min
